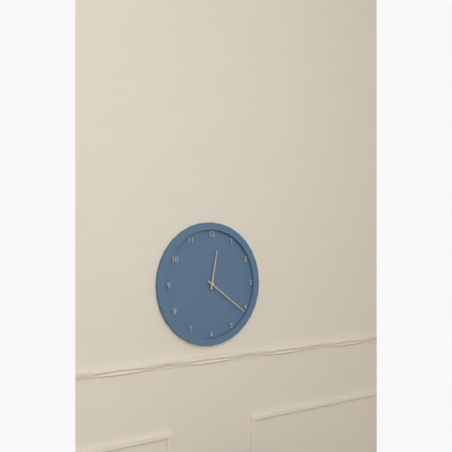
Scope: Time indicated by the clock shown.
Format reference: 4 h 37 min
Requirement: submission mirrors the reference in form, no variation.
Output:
12 h 21 min
